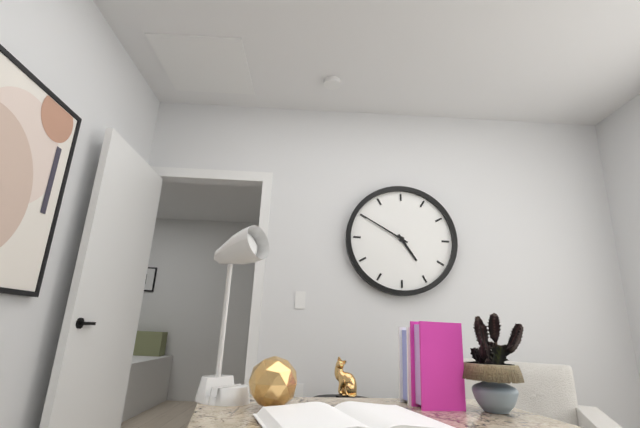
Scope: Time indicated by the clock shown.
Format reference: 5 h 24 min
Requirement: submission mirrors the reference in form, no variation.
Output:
4 h 50 min
